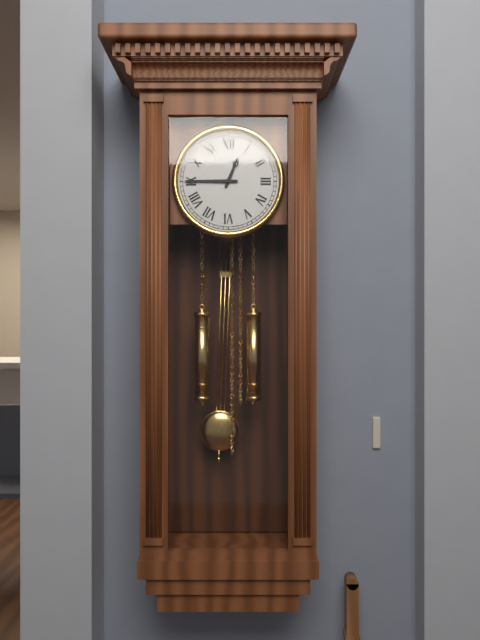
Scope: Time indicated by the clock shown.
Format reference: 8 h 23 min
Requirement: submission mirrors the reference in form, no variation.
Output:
12 h 45 min
